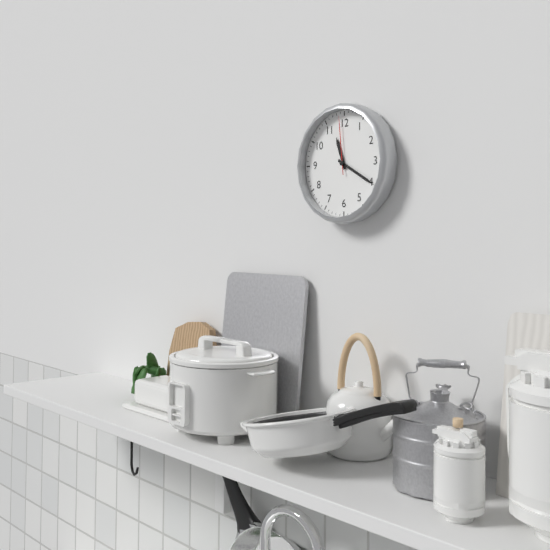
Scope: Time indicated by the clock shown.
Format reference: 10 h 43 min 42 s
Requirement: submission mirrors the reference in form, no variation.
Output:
11 h 20 min 59 s
